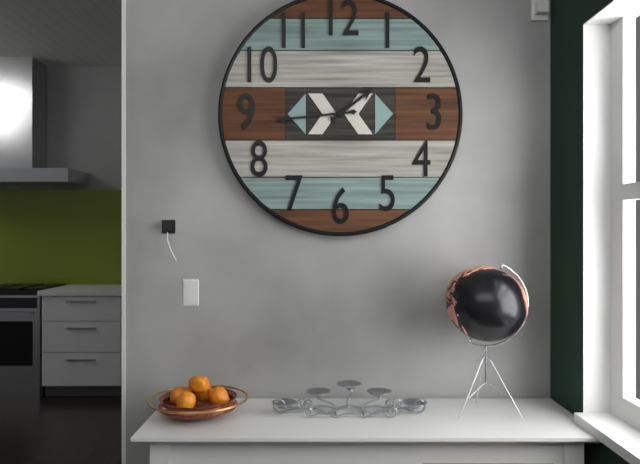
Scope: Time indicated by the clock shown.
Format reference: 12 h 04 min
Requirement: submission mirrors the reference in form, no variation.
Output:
1 h 44 min
